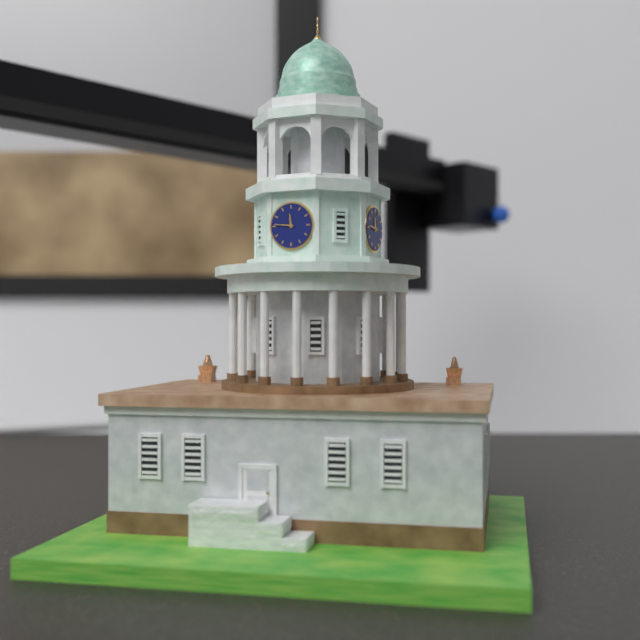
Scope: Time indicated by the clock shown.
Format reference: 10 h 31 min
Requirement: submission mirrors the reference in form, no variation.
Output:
11 h 46 min
